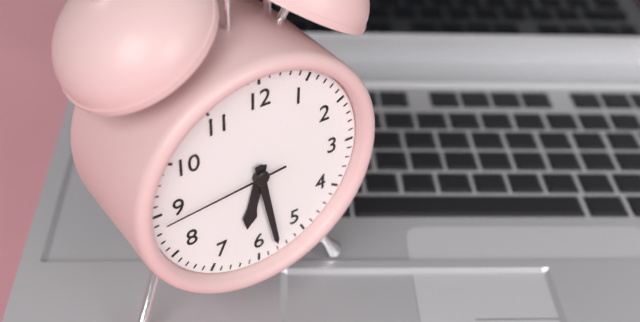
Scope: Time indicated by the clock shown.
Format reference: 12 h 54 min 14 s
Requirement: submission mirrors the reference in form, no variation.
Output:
6 h 28 min 44 s
